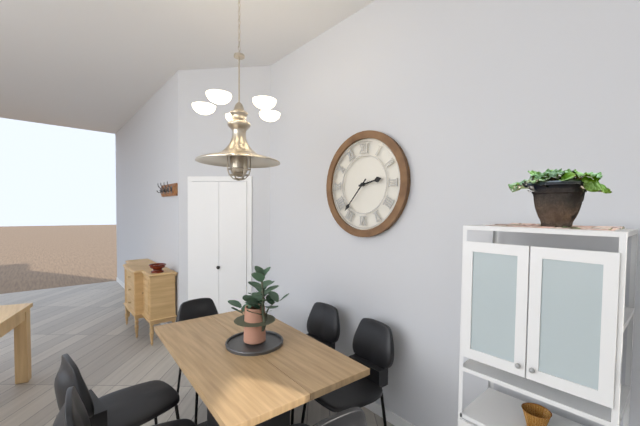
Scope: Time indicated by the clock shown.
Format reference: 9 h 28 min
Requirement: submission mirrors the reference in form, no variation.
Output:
2 h 37 min
